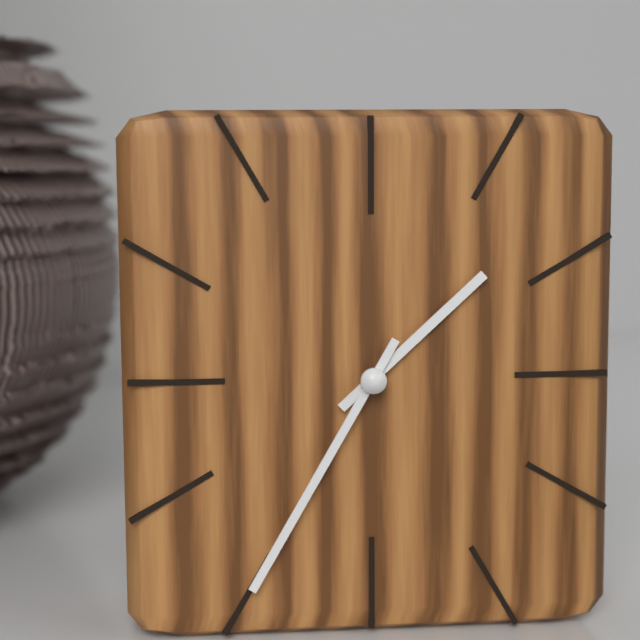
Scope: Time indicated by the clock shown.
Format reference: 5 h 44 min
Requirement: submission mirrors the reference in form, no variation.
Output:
1 h 35 min
